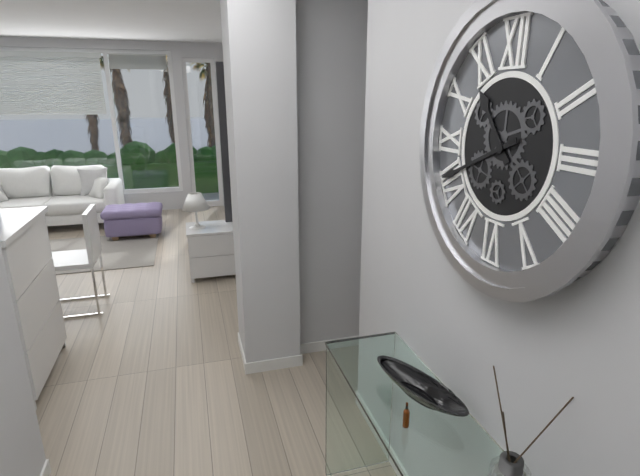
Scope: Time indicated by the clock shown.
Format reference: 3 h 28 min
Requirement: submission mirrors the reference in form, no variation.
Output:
10 h 41 min
